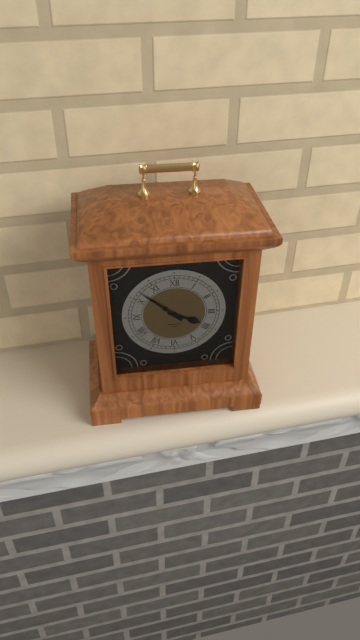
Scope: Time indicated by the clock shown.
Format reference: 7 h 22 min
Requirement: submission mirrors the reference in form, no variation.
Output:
3 h 52 min
